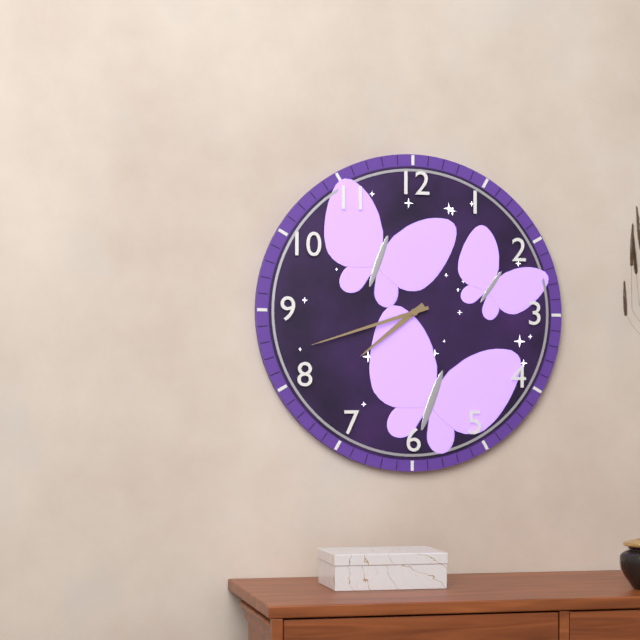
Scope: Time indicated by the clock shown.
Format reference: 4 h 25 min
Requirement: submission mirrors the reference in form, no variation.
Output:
7 h 42 min
